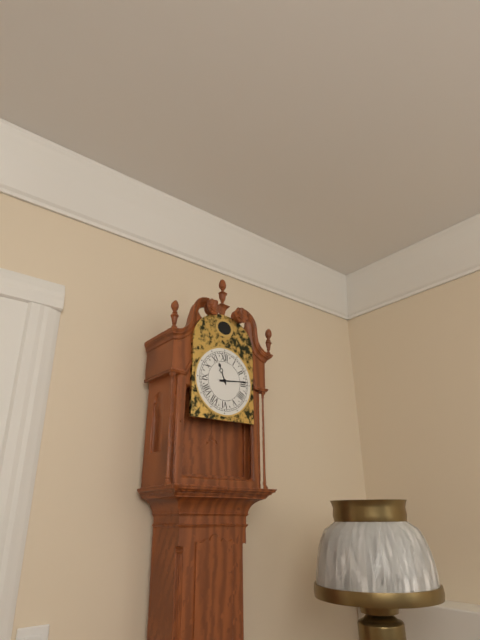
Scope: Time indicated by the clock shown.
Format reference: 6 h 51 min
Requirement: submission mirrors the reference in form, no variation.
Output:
11 h 14 min
